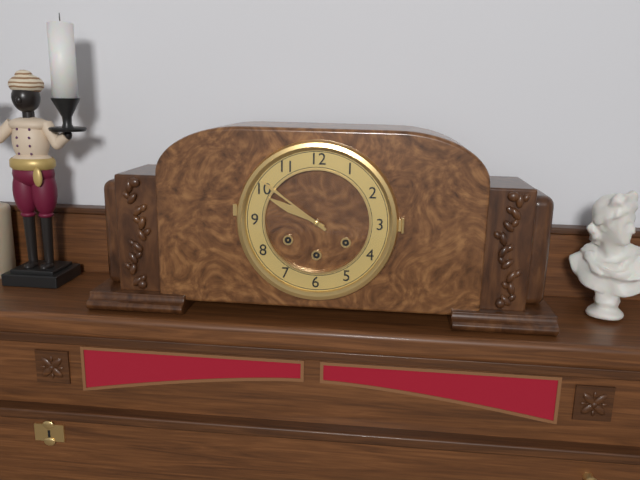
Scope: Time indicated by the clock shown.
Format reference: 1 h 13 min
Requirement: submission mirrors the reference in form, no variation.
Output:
9 h 51 min
